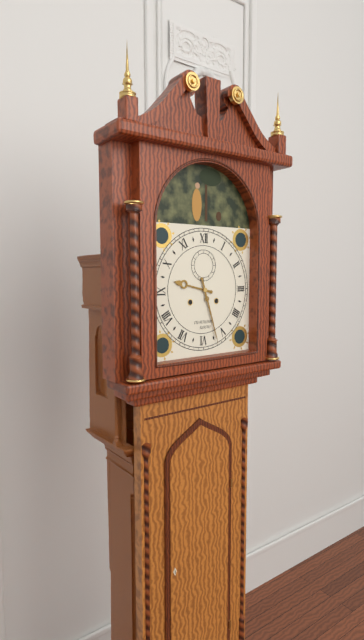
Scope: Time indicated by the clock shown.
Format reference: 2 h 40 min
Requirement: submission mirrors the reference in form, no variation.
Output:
9 h 27 min
